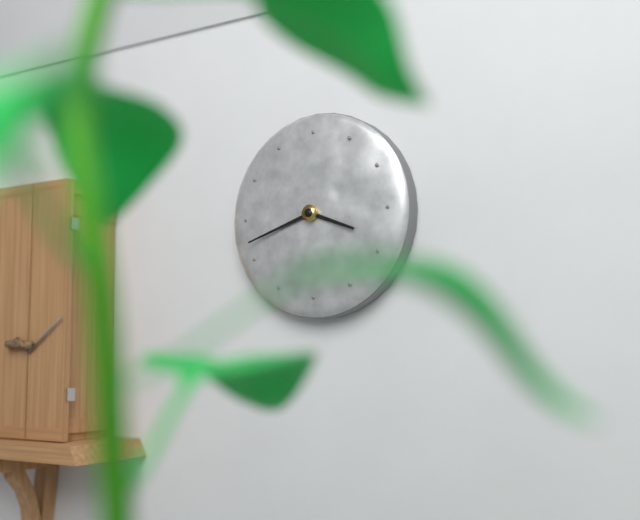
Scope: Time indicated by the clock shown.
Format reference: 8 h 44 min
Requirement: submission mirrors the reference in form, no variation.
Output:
3 h 42 min
